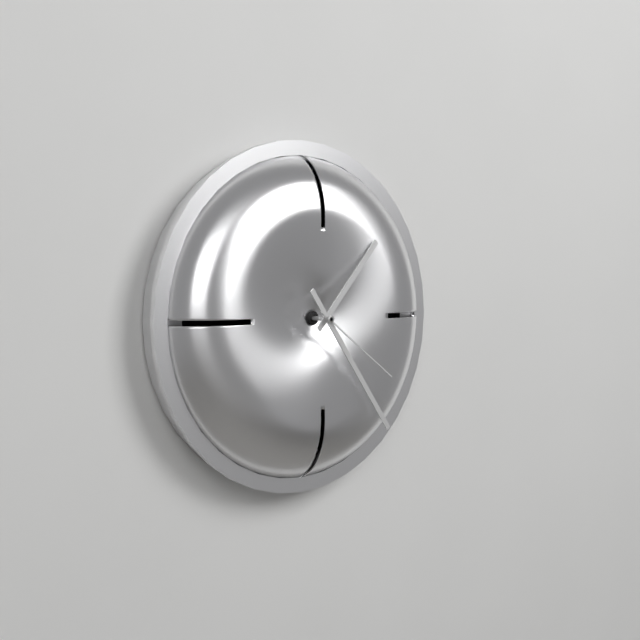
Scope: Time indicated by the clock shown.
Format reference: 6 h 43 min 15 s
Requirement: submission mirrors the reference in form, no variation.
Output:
1 h 24 min 21 s
